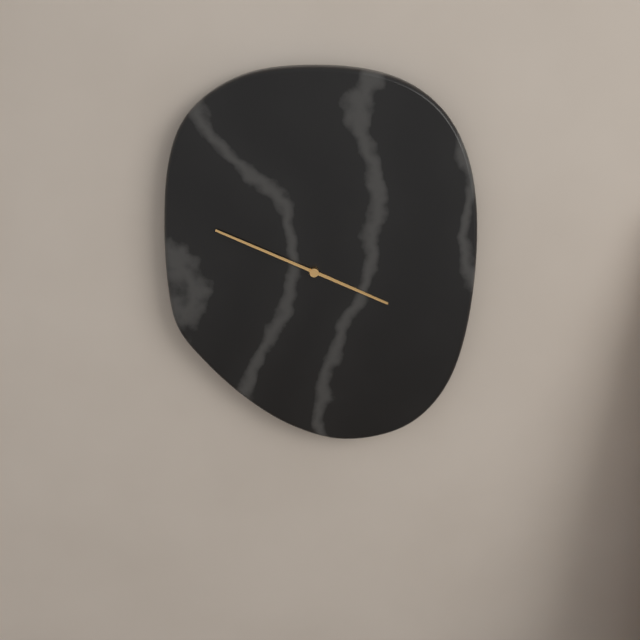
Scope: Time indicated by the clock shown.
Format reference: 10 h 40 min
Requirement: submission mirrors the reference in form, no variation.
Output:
3 h 49 min
